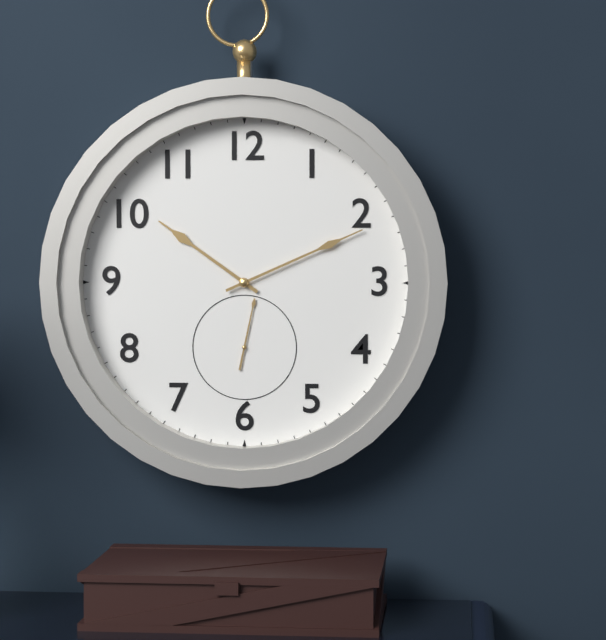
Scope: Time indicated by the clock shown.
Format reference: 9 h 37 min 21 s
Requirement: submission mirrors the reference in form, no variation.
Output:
10 h 11 min 02 s
